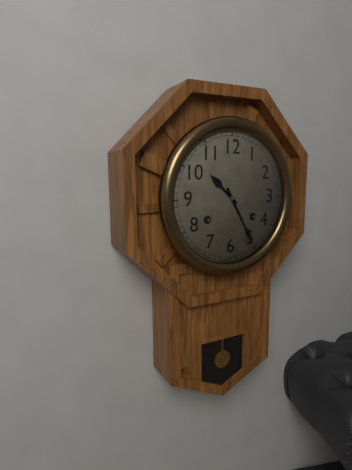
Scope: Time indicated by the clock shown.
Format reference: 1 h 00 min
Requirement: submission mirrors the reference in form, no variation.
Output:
10 h 25 min
